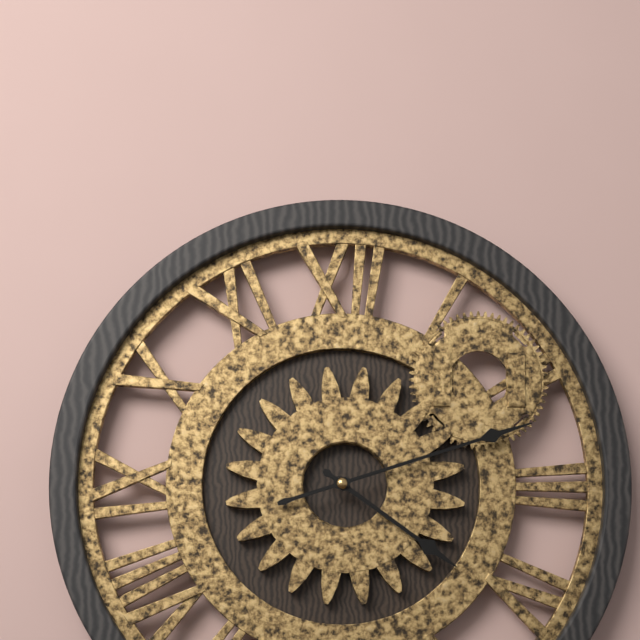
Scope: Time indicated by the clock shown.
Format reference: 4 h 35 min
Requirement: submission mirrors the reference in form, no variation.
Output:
4 h 12 min
